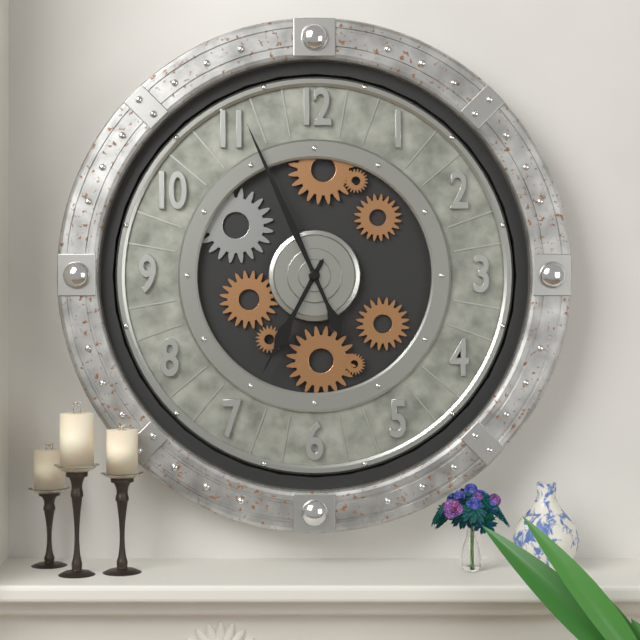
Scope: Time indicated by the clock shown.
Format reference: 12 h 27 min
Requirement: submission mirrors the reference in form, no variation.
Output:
6 h 56 min
